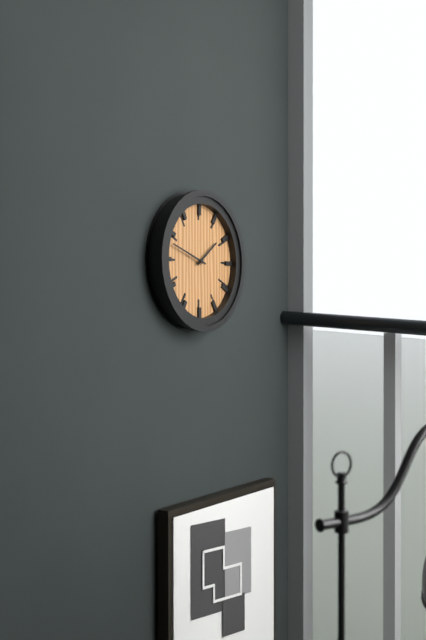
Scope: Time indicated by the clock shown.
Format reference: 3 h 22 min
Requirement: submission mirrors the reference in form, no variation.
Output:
1 h 48 min
